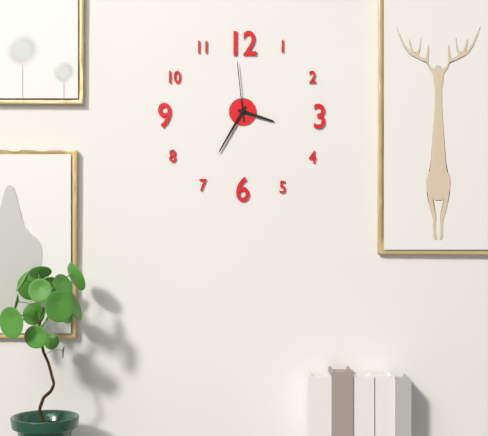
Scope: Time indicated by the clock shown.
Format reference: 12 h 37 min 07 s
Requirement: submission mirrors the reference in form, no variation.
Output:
3 h 35 min 59 s
